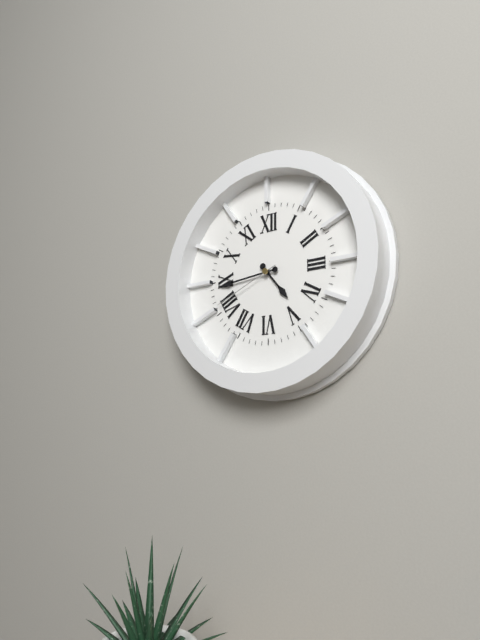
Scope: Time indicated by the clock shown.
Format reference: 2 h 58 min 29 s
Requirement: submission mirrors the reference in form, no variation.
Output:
4 h 44 min 41 s
